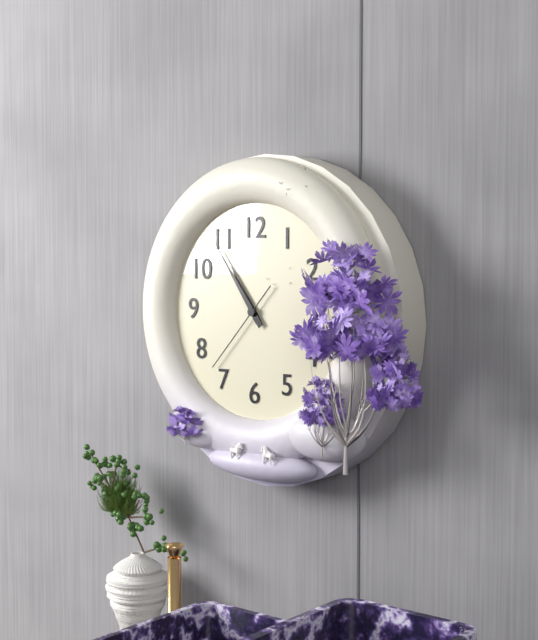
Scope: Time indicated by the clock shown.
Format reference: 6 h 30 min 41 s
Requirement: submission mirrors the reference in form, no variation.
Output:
10 h 54 min 37 s
